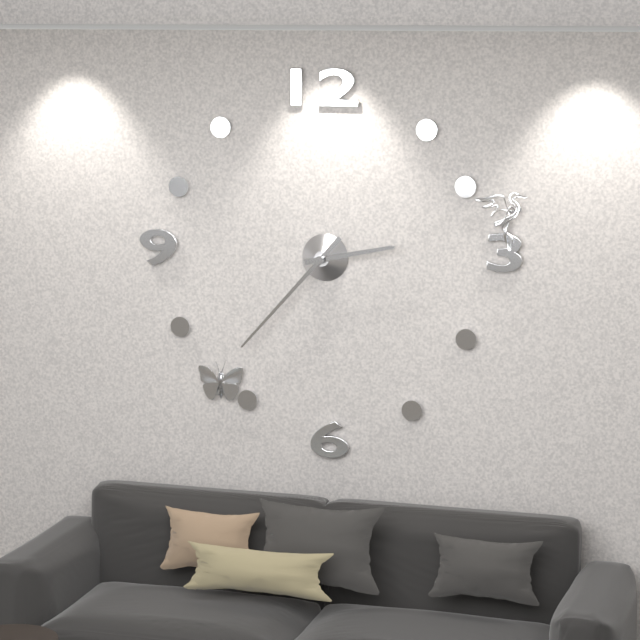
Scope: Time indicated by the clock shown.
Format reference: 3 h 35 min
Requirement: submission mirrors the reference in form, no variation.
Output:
2 h 37 min
